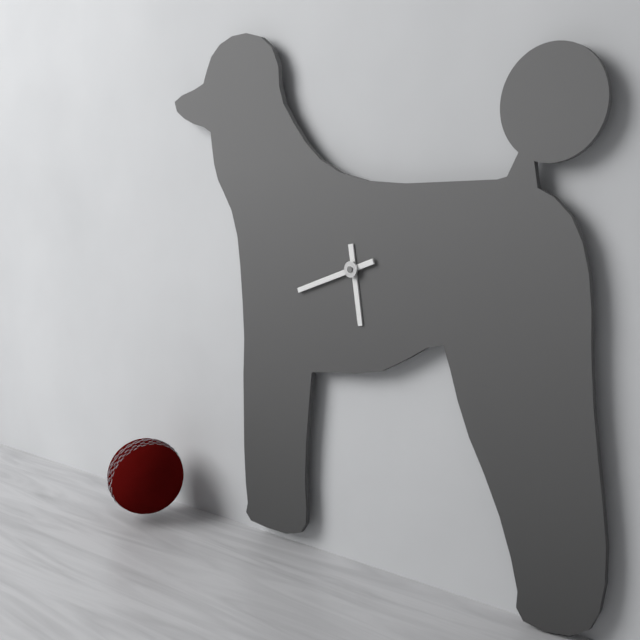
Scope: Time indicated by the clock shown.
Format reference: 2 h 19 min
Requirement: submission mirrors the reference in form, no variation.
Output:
5 h 42 min
